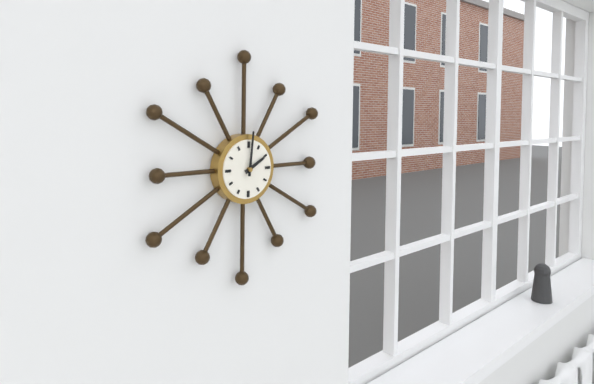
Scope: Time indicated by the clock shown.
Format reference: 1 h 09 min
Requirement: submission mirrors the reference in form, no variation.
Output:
2 h 01 min
